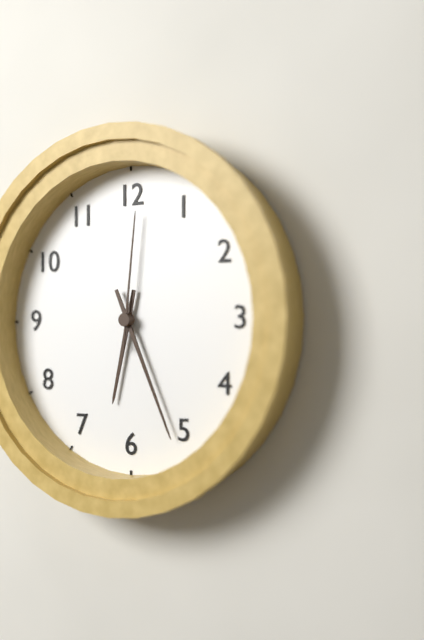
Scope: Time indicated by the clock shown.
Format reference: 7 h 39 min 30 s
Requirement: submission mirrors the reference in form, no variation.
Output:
6 h 26 min 01 s
